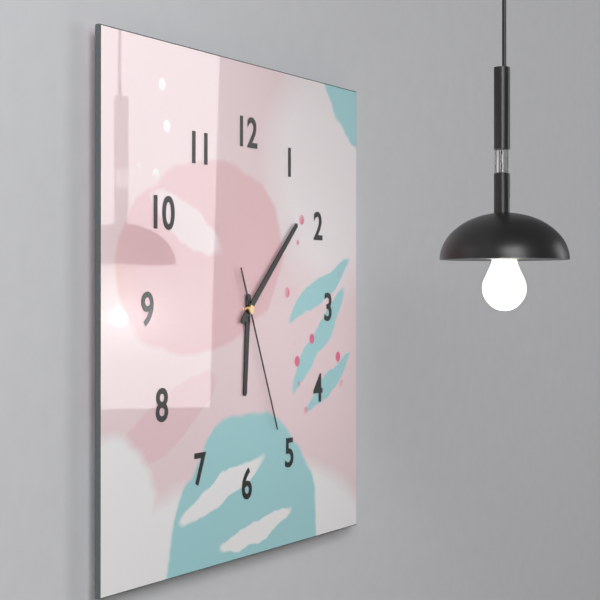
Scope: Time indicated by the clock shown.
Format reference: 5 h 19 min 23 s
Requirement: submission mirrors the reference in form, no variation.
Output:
6 h 08 min 26 s
